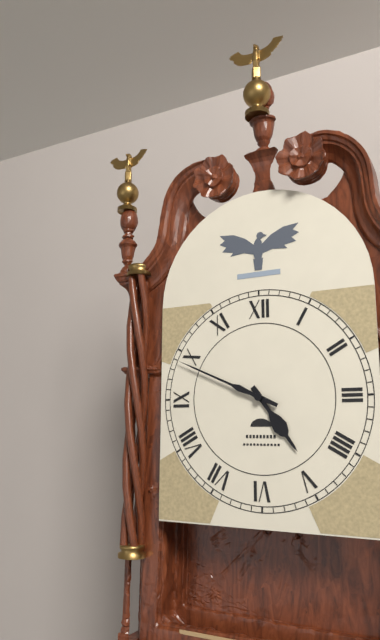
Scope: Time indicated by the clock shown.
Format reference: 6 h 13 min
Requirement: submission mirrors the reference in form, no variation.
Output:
4 h 49 min
